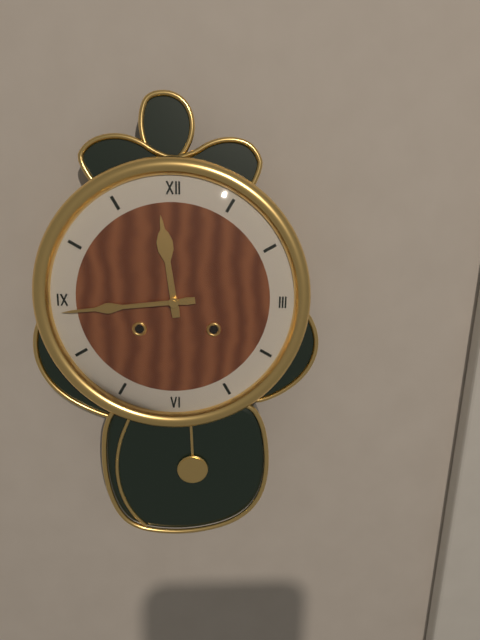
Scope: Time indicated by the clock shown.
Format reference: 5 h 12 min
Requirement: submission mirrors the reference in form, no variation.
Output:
11 h 44 min
